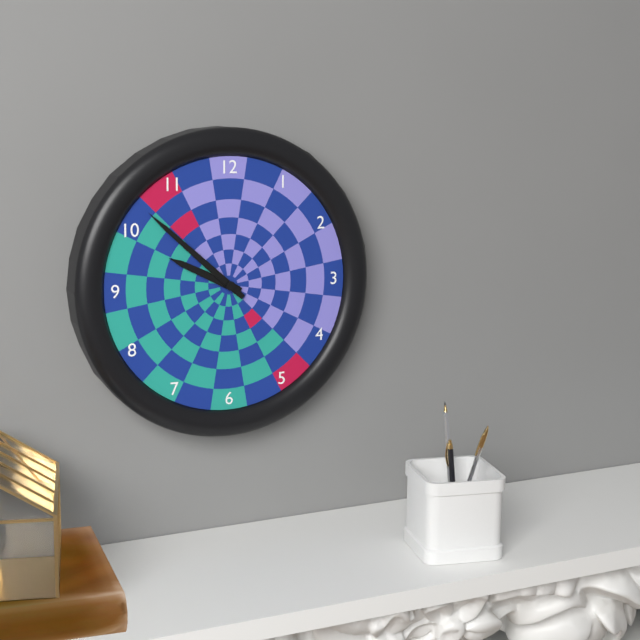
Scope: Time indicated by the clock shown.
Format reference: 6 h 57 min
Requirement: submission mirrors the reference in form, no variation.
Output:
9 h 52 min
